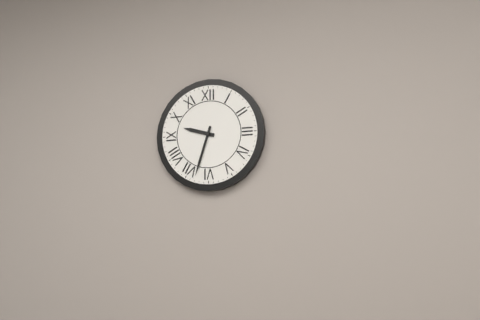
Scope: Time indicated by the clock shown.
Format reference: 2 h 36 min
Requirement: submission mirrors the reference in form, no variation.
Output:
9 h 33 min
